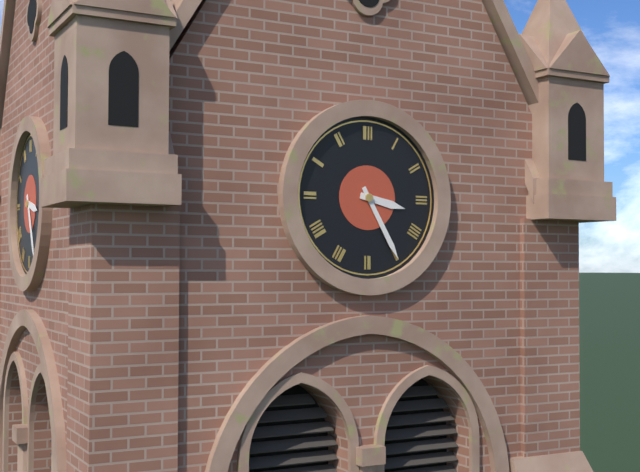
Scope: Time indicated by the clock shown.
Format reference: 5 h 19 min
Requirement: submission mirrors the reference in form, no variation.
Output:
3 h 25 min
